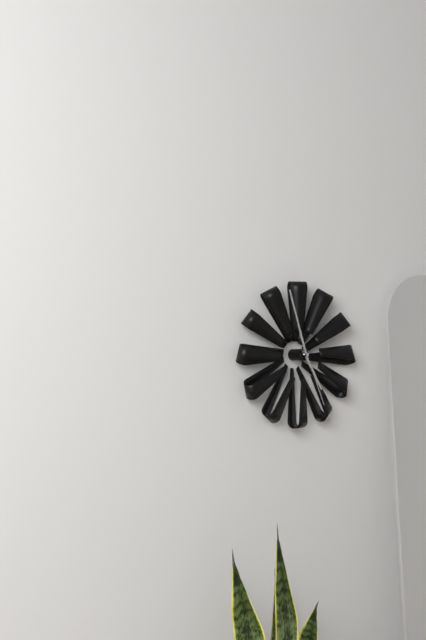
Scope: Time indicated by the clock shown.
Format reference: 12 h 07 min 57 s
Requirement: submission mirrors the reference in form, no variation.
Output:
4 h 57 min 26 s
